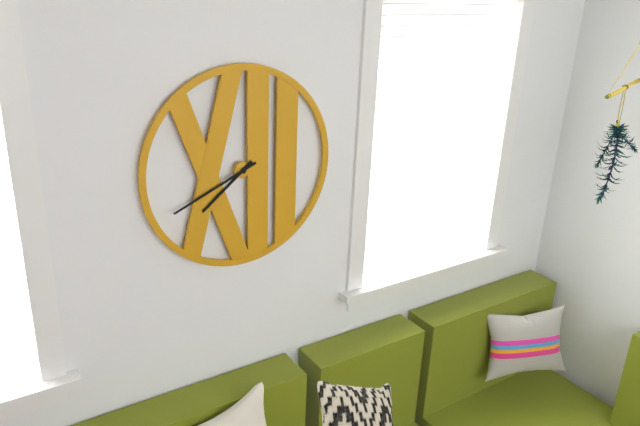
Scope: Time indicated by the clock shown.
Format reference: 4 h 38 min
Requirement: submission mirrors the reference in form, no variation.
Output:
7 h 41 min
